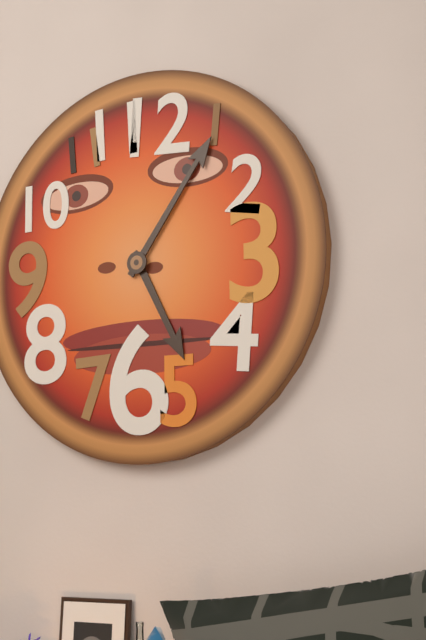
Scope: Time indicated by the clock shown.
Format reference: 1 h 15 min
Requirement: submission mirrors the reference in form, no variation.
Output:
5 h 06 min
